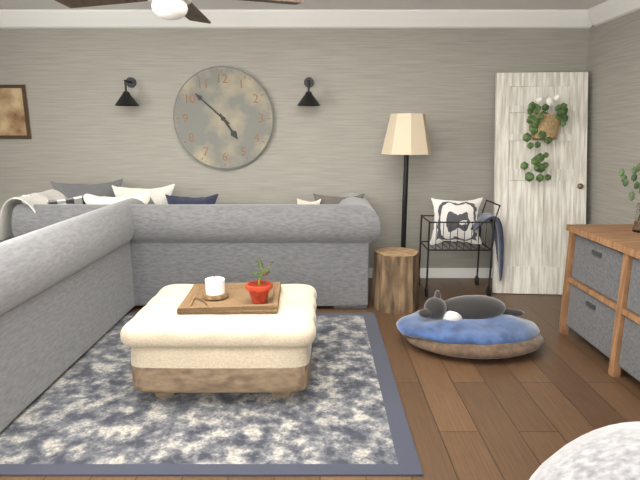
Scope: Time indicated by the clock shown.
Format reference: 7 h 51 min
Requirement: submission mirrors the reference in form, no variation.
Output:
4 h 52 min
